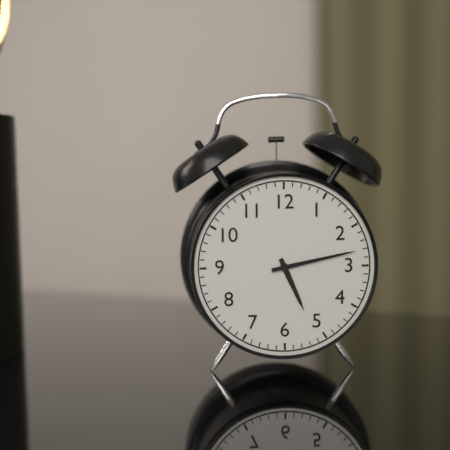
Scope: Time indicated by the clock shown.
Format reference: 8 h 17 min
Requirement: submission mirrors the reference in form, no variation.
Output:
5 h 13 min
